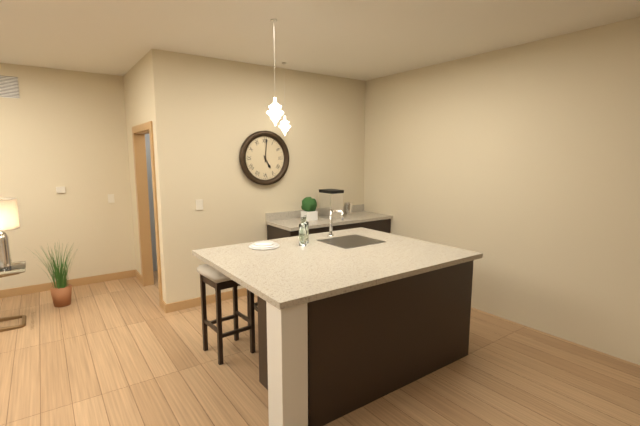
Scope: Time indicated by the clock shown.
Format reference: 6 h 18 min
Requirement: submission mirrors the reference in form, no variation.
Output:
5 h 01 min
